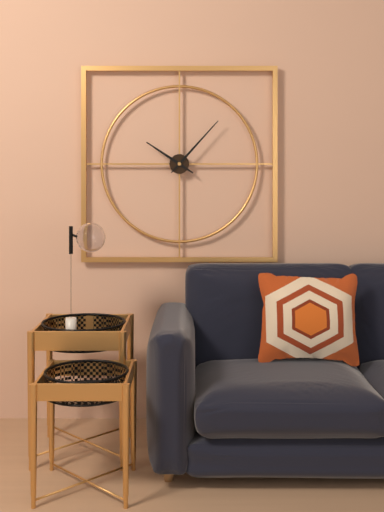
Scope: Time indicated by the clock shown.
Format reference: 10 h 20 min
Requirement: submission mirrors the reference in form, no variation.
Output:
10 h 07 min
